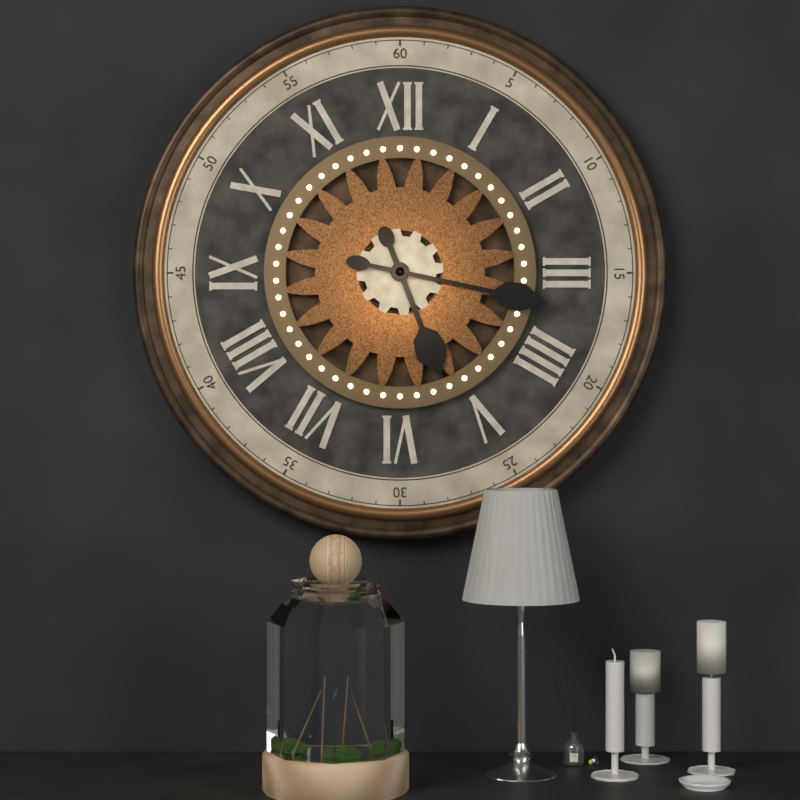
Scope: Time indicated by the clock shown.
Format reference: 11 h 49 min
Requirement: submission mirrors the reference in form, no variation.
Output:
5 h 17 min
